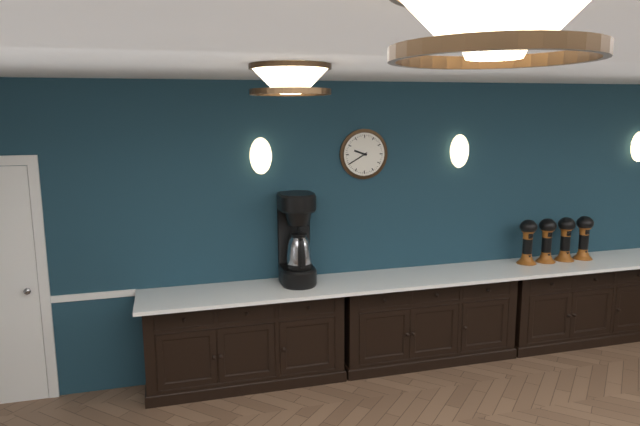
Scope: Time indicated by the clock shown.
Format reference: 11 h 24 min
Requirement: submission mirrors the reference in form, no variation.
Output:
9 h 40 min
